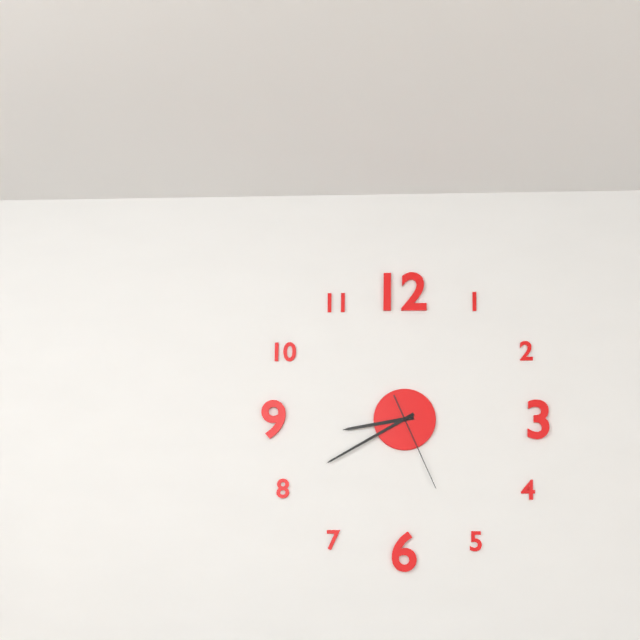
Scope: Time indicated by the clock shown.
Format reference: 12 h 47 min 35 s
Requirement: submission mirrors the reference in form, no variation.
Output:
8 h 40 min 26 s
